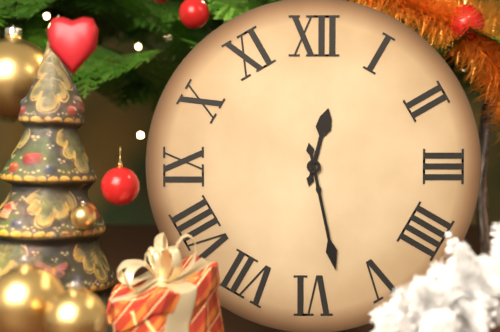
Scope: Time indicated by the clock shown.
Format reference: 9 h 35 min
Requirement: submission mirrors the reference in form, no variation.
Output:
12 h 28 min
